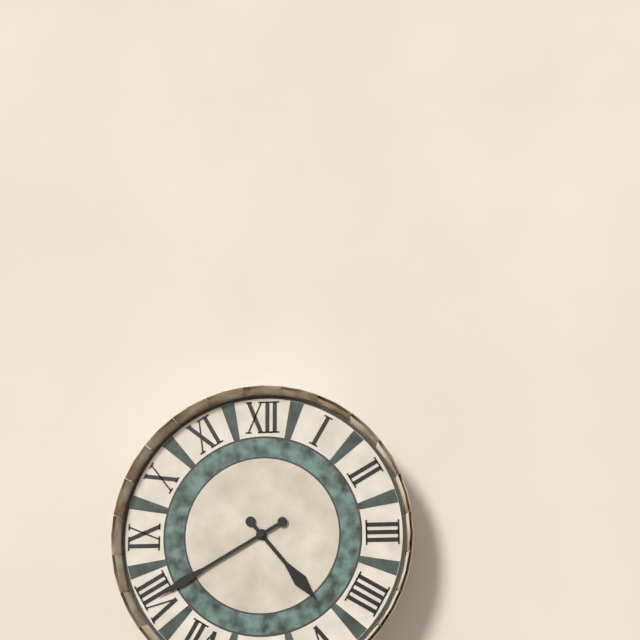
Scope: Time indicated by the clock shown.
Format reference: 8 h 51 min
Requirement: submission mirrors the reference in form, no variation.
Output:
4 h 40 min
